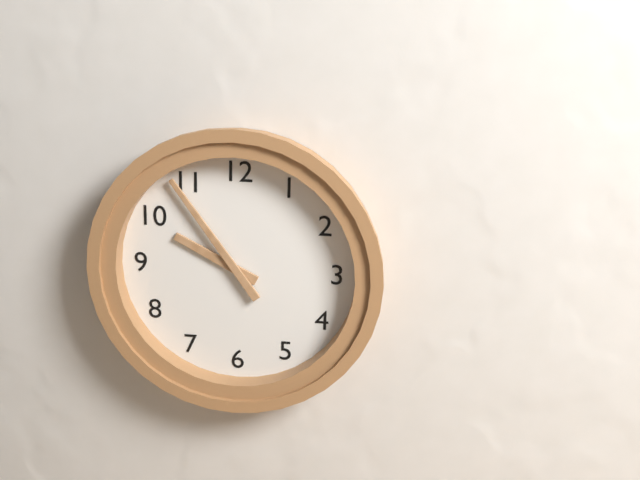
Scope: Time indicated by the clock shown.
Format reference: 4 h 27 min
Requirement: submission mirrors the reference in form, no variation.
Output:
9 h 54 min
